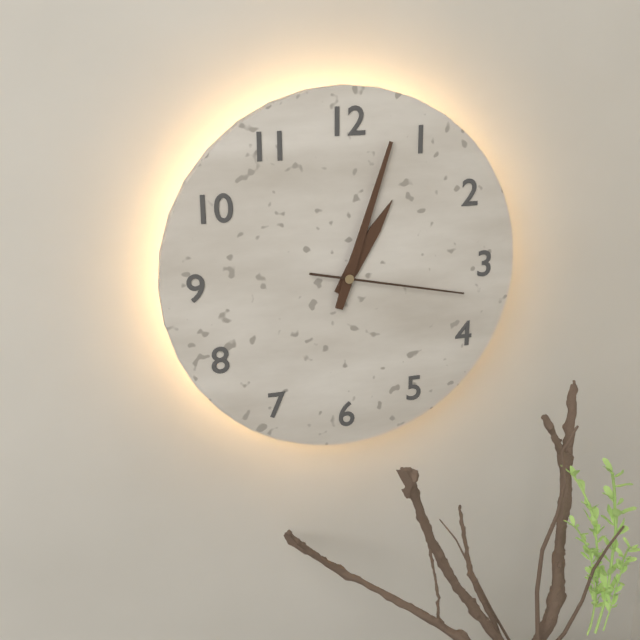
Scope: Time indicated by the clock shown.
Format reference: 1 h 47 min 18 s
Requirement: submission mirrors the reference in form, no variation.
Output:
1 h 03 min 17 s
